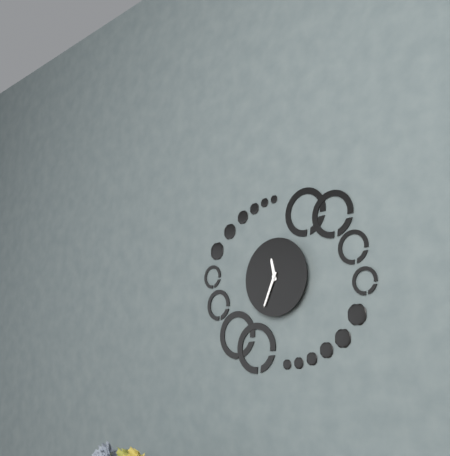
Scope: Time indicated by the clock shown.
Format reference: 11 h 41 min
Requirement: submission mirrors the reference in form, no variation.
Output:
11 h 34 min
